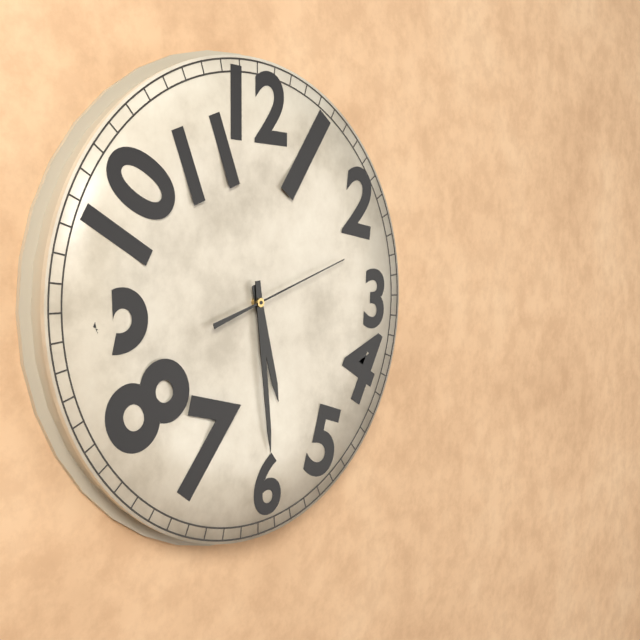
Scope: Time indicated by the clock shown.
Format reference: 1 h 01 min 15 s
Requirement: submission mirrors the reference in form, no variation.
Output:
5 h 29 min 12 s
